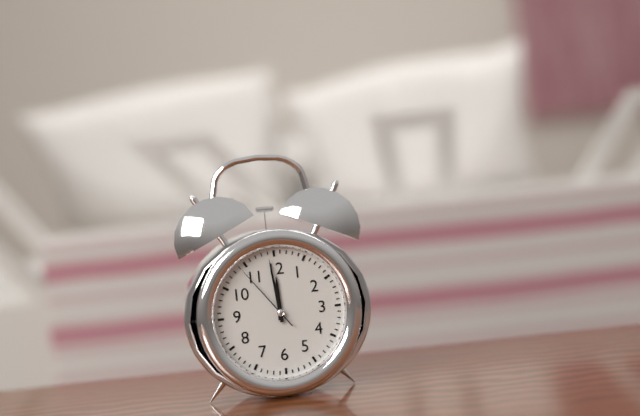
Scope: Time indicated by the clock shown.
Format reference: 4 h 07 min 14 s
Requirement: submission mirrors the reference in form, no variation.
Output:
11 h 59 min 54 s
